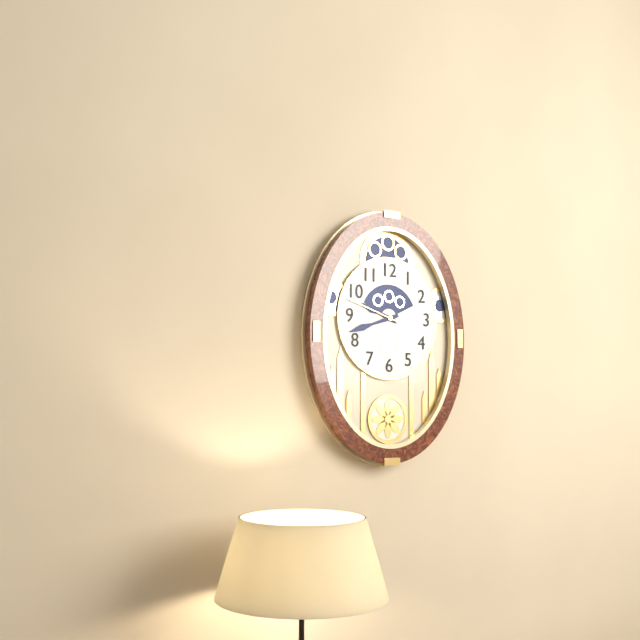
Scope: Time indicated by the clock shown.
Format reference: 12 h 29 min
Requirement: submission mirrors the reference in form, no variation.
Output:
9 h 42 min
